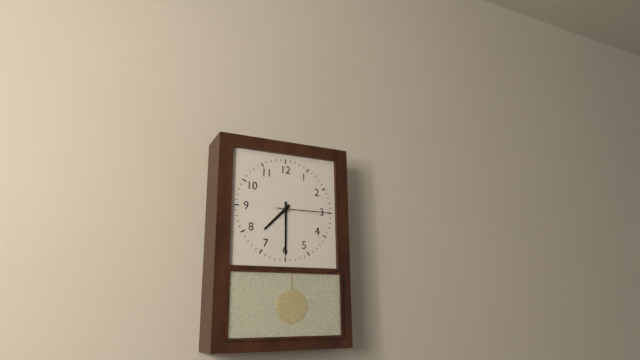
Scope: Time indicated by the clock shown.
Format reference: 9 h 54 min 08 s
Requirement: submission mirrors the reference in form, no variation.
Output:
7 h 30 min 15 s
